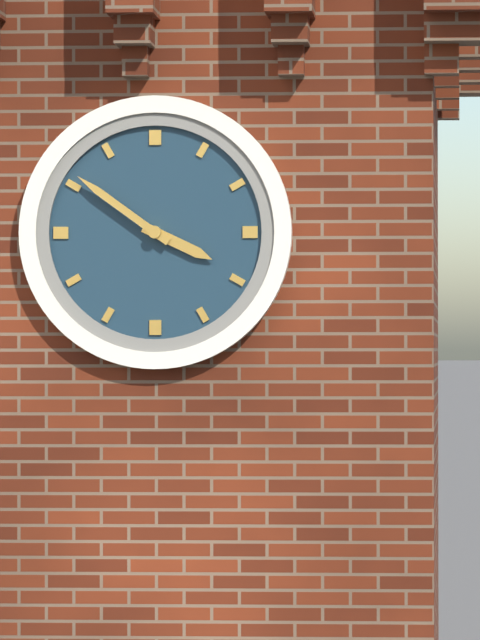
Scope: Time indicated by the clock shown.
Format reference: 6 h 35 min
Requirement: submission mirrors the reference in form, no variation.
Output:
3 h 51 min
